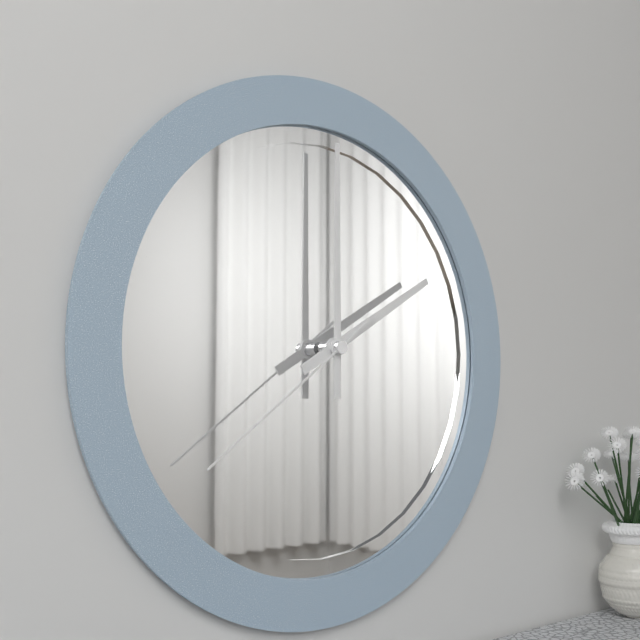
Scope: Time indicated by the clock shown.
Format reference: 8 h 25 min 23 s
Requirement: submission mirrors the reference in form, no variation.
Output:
2 h 00 min 39 s
